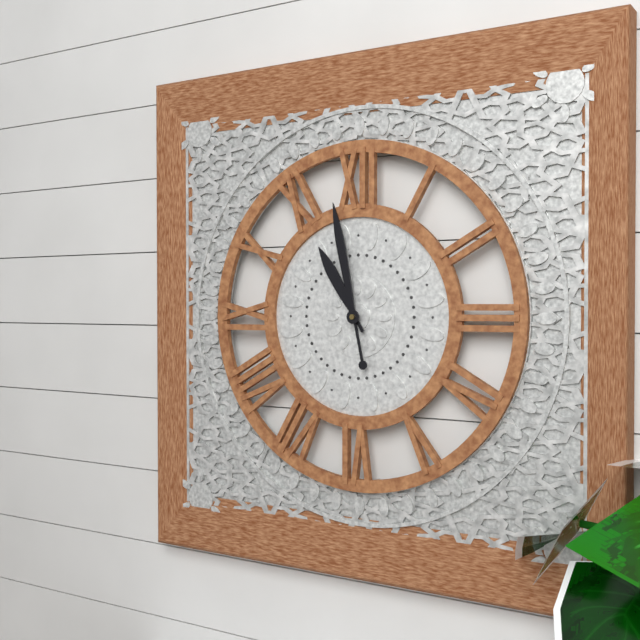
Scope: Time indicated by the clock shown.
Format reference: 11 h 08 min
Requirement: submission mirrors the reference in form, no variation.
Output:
10 h 58 min
